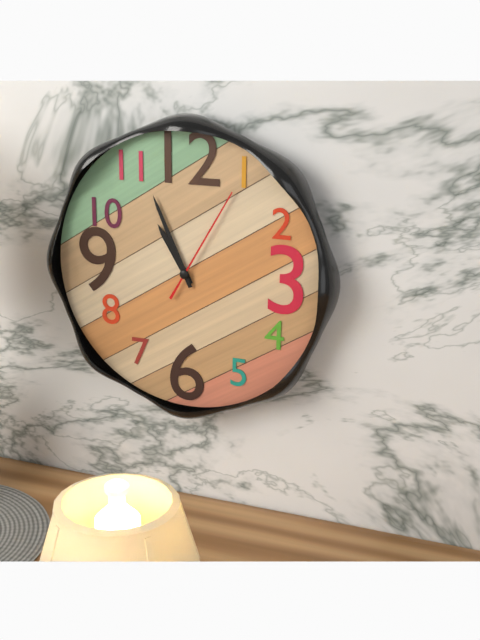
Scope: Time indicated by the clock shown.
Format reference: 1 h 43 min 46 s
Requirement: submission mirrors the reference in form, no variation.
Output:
10 h 56 min 05 s
